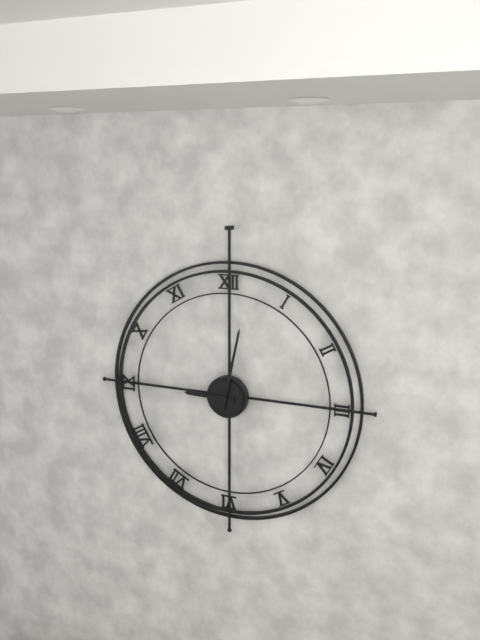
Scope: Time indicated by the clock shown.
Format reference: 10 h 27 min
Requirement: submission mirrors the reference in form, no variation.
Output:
9 h 02 min
